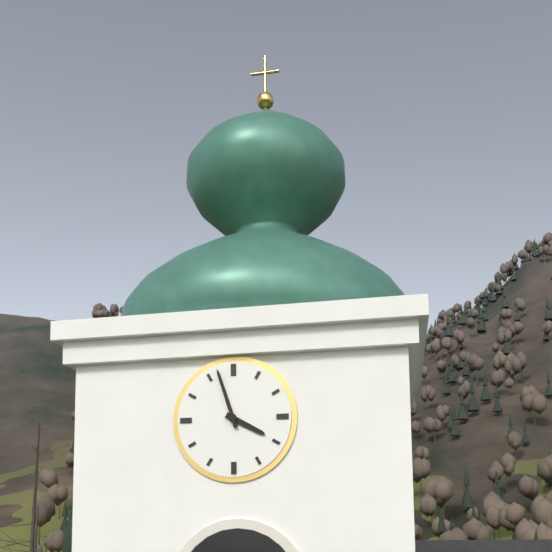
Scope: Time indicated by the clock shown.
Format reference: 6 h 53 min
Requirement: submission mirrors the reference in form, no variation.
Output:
3 h 57 min
